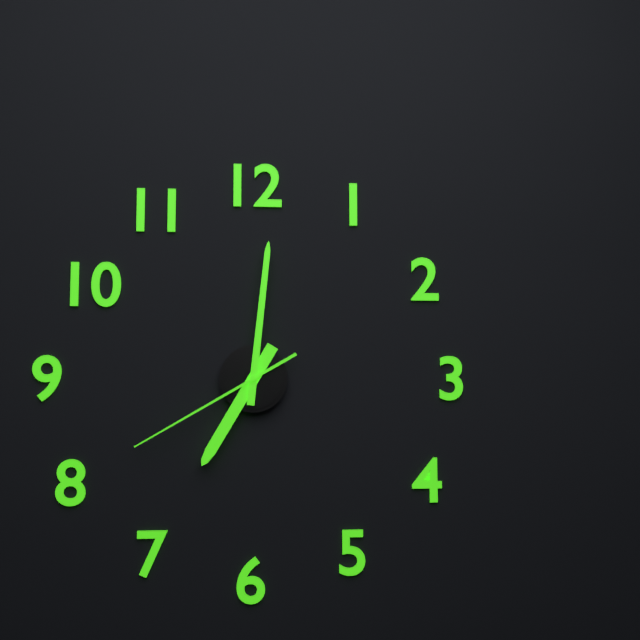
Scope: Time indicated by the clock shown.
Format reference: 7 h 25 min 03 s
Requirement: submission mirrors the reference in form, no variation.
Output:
7 h 01 min 40 s
